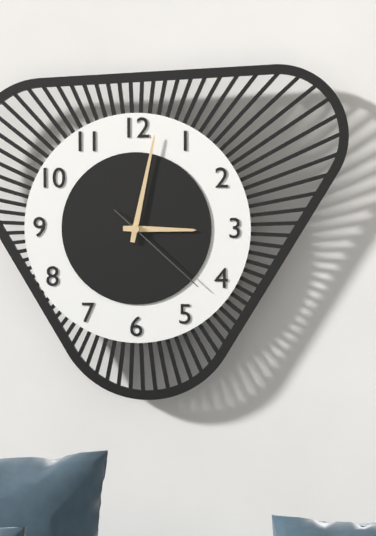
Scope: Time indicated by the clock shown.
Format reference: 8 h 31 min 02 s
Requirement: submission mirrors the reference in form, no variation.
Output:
3 h 02 min 22 s
